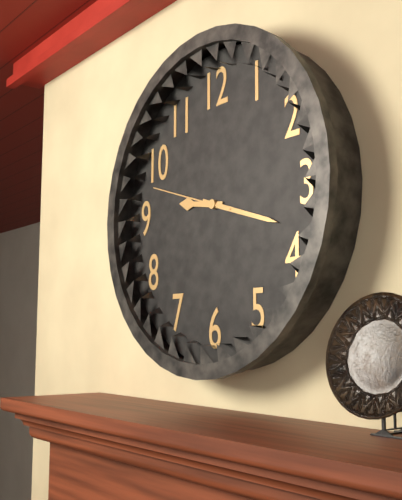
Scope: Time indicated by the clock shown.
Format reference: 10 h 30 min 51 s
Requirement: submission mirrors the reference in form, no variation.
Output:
9 h 18 min 48 s
